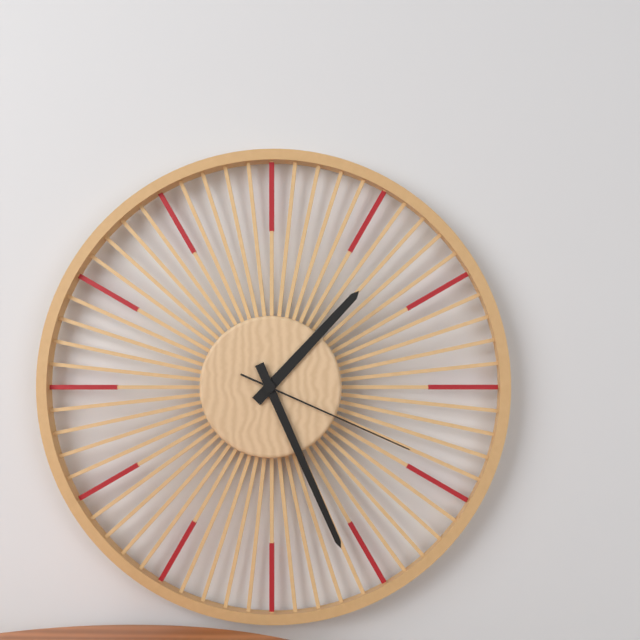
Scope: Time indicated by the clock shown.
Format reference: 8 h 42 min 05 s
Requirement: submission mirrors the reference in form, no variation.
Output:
1 h 26 min 19 s
